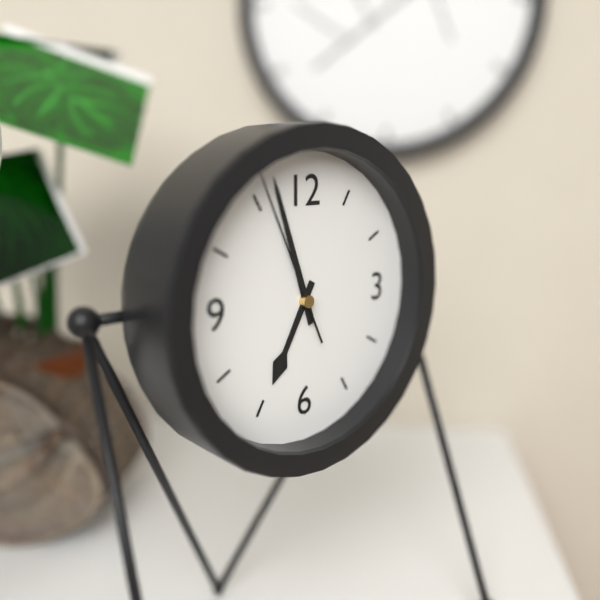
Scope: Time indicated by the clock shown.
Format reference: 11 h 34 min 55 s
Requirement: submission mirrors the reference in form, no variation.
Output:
6 h 57 min 56 s
